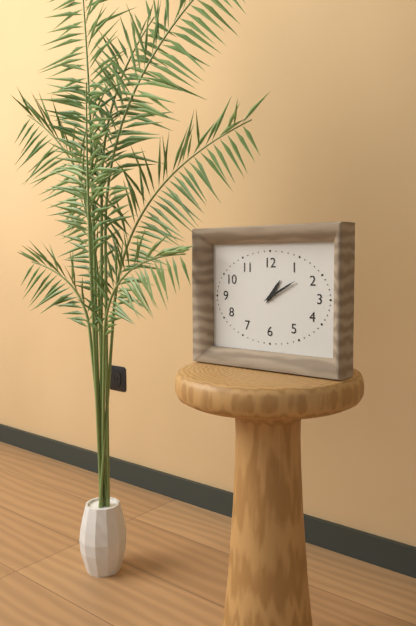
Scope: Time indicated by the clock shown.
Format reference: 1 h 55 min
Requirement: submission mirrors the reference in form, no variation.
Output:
1 h 10 min
